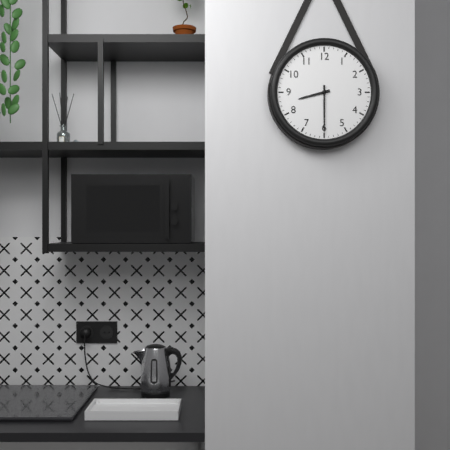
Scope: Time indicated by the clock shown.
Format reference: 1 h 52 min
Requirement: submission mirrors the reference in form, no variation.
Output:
8 h 30 min
